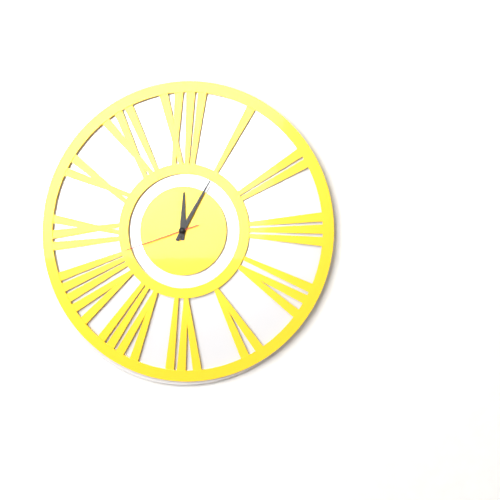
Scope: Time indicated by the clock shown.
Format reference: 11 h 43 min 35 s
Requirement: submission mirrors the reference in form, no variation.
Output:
12 h 05 min 42 s
